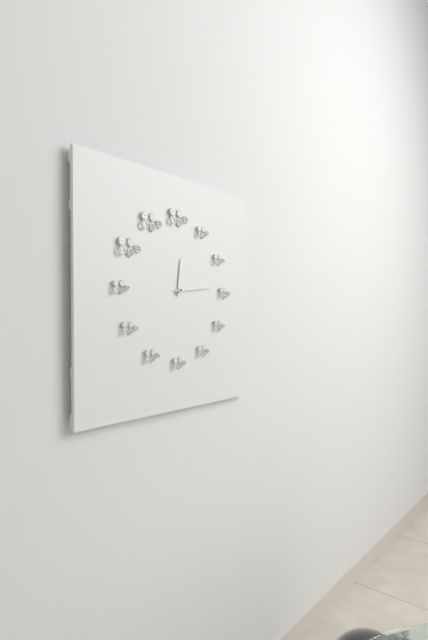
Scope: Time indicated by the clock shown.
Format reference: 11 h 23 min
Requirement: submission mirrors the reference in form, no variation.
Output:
12 h 14 min
